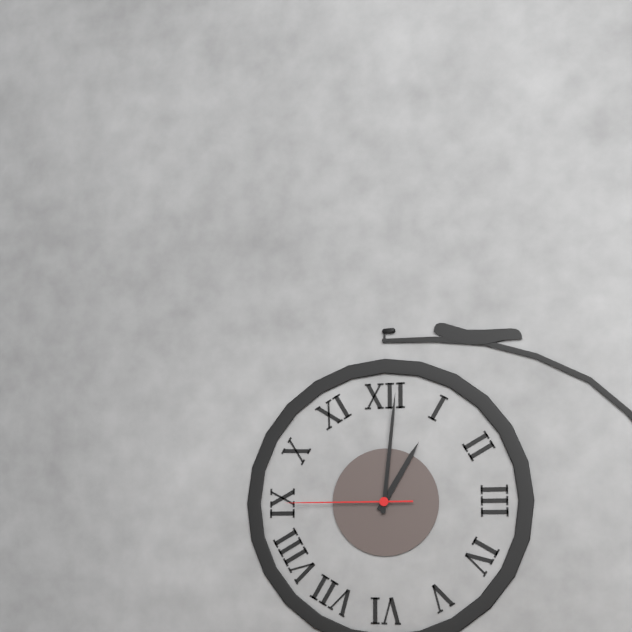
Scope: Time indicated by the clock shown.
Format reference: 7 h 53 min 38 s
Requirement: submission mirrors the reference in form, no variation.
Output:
1 h 01 min 45 s
